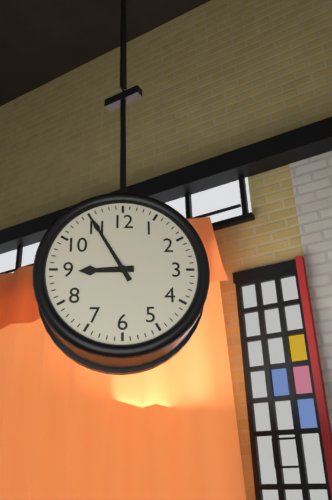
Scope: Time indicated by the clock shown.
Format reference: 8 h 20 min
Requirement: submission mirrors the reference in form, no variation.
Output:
8 h 55 min
